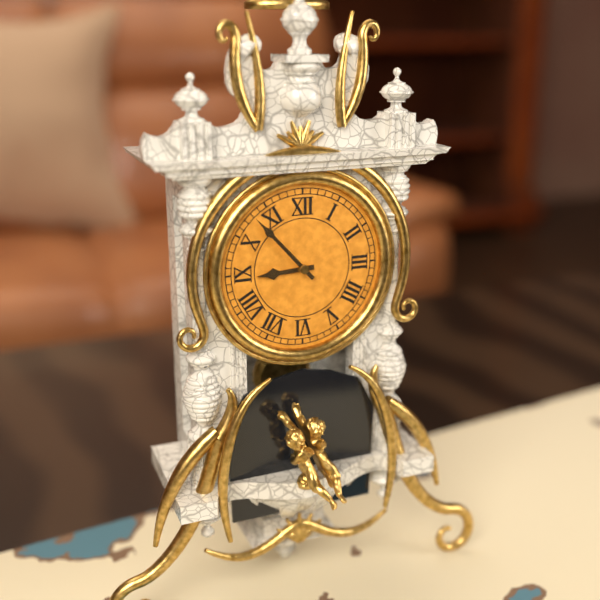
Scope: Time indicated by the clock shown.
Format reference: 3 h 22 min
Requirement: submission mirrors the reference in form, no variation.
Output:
8 h 53 min
